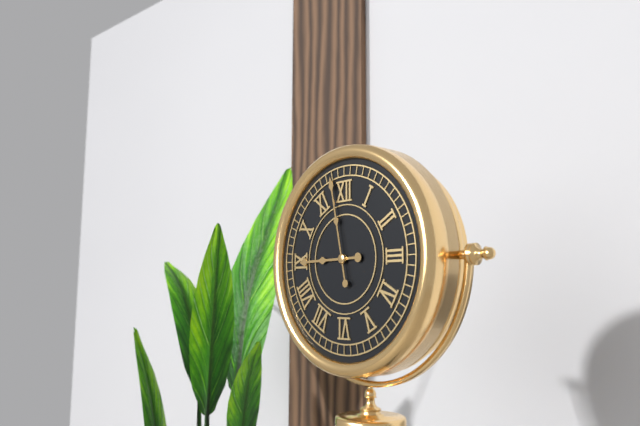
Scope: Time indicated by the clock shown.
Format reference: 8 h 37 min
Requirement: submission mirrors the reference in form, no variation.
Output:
8 h 58 min
